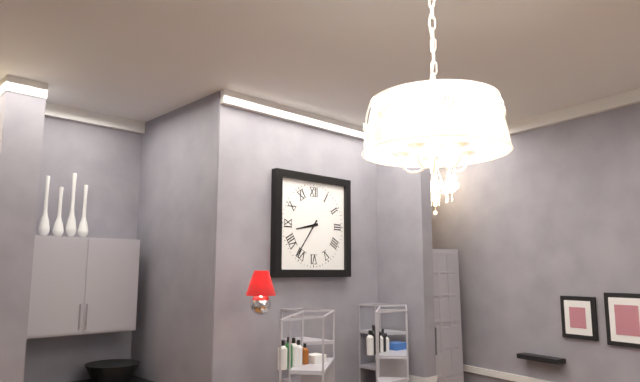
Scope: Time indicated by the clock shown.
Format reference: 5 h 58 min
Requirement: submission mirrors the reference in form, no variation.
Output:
8 h 36 min
